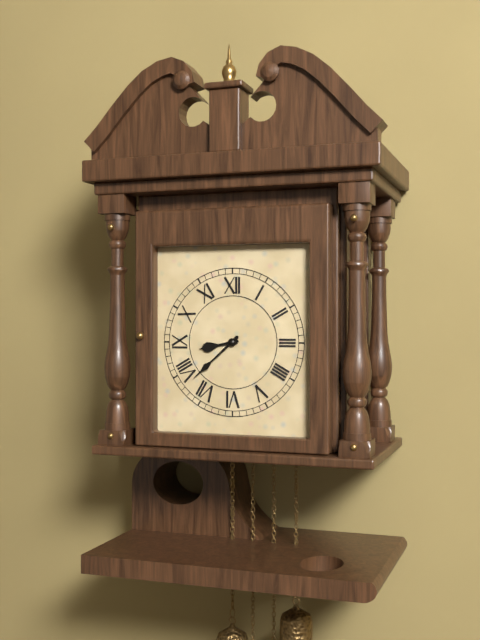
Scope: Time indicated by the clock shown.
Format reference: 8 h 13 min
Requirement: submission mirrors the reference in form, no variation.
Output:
8 h 38 min
